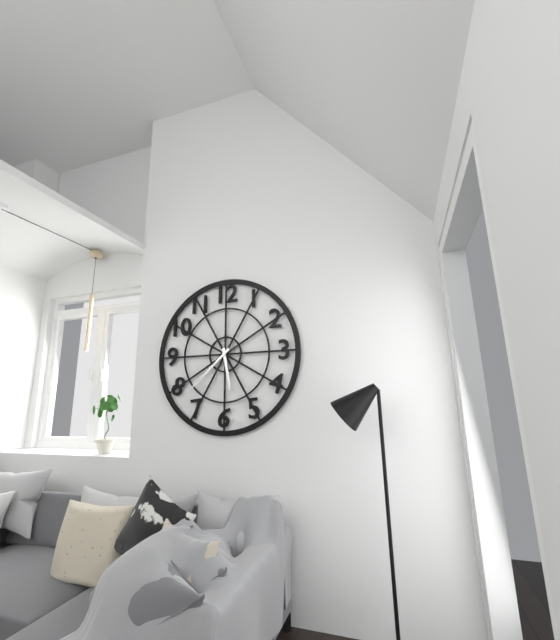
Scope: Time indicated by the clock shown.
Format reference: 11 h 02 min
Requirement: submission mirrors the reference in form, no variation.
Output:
5 h 38 min
